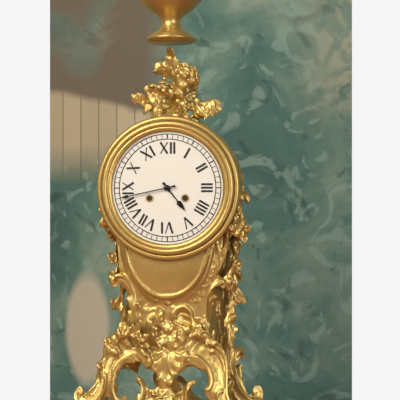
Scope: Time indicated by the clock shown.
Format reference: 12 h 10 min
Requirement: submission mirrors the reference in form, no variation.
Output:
4 h 43 min
